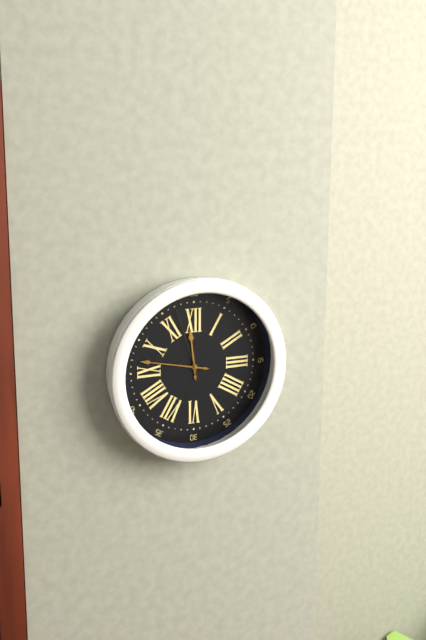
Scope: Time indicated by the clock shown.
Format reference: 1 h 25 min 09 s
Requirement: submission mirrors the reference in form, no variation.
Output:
11 h 47 min 57 s
